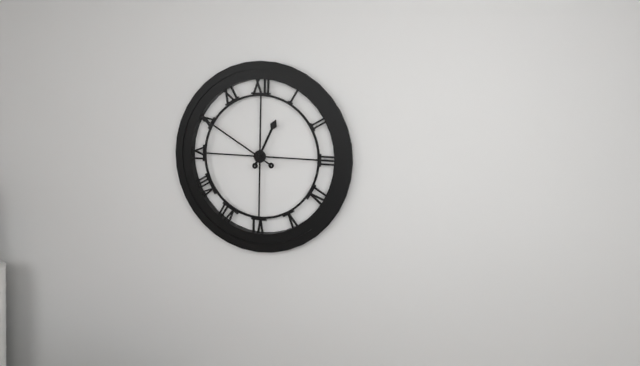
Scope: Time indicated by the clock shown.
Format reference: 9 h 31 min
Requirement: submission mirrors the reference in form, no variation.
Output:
12 h 50 min
